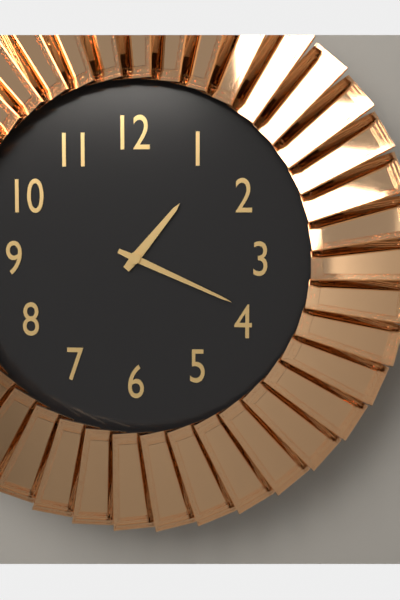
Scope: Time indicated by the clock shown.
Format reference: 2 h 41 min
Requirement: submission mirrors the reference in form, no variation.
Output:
1 h 19 min
